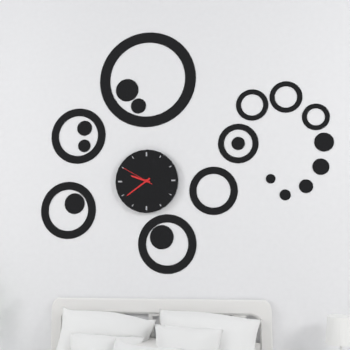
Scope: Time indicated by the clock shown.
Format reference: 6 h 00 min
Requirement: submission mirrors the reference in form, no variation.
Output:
9 h 39 min
